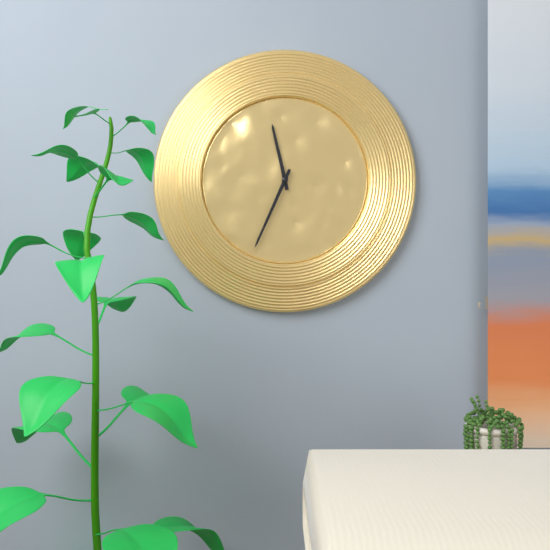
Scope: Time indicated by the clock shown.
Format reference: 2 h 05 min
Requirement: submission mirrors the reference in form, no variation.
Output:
11 h 34 min
